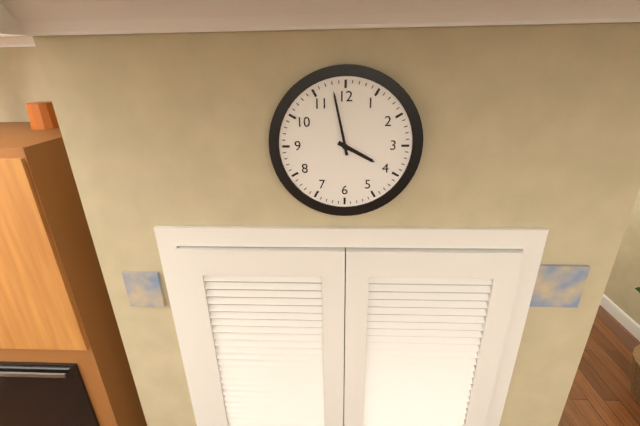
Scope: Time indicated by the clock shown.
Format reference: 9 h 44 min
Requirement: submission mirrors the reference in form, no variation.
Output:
3 h 58 min
